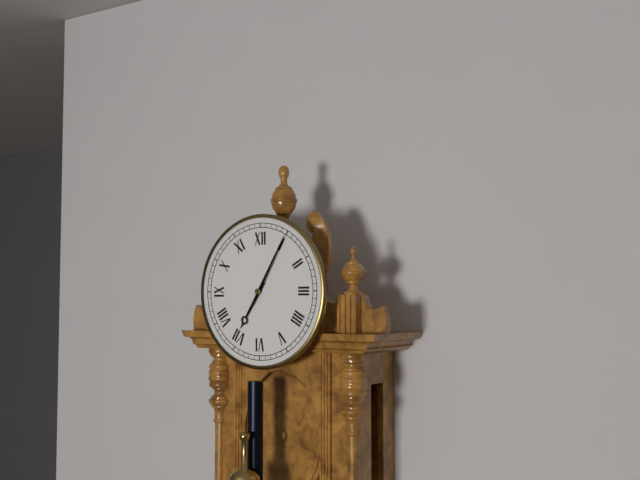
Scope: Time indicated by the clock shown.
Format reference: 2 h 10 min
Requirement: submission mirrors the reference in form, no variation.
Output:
7 h 05 min
